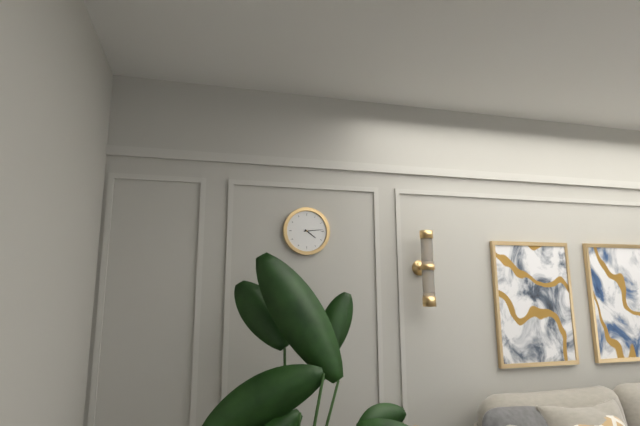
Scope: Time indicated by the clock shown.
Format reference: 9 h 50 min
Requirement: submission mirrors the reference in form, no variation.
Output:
4 h 14 min
